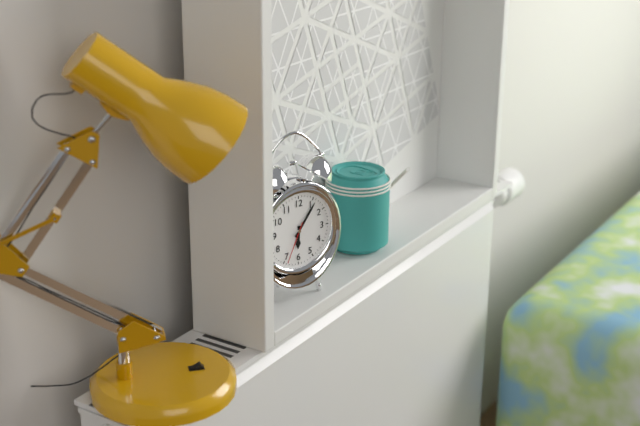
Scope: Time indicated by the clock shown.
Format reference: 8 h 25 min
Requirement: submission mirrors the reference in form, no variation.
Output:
6 h 06 min
